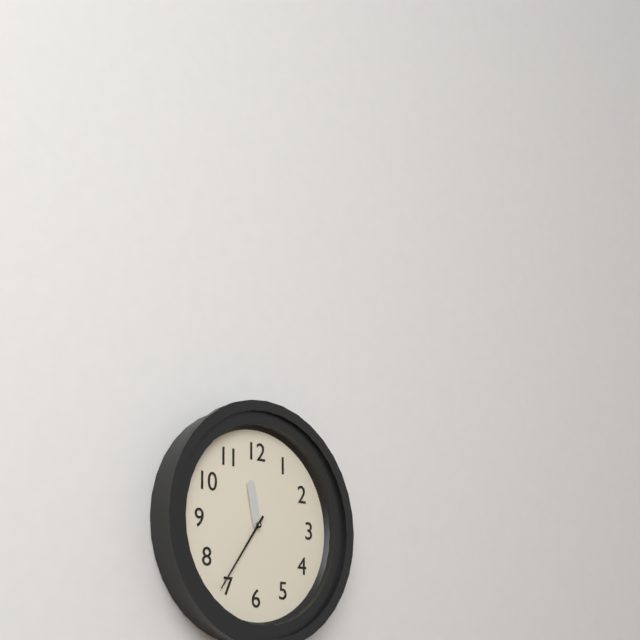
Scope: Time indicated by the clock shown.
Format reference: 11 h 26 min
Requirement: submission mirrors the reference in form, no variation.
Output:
11 h 36 min
